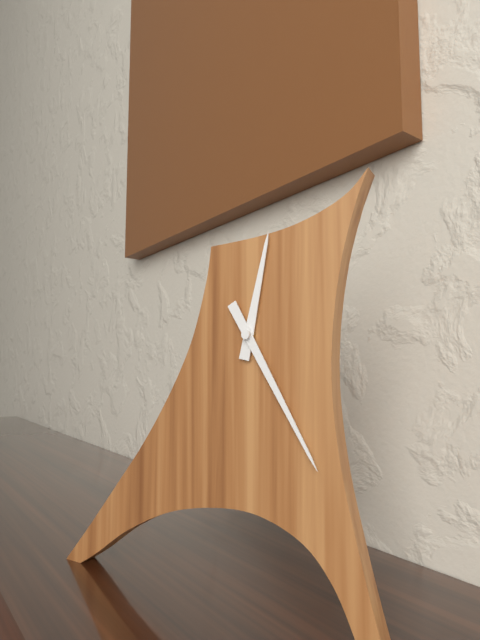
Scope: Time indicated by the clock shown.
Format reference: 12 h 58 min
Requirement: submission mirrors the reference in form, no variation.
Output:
12 h 25 min
